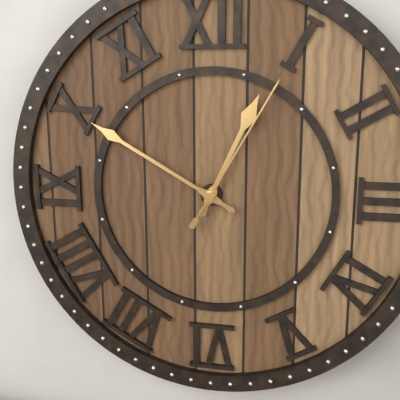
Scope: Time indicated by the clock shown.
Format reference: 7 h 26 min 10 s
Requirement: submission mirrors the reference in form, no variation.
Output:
12 h 50 min 05 s
